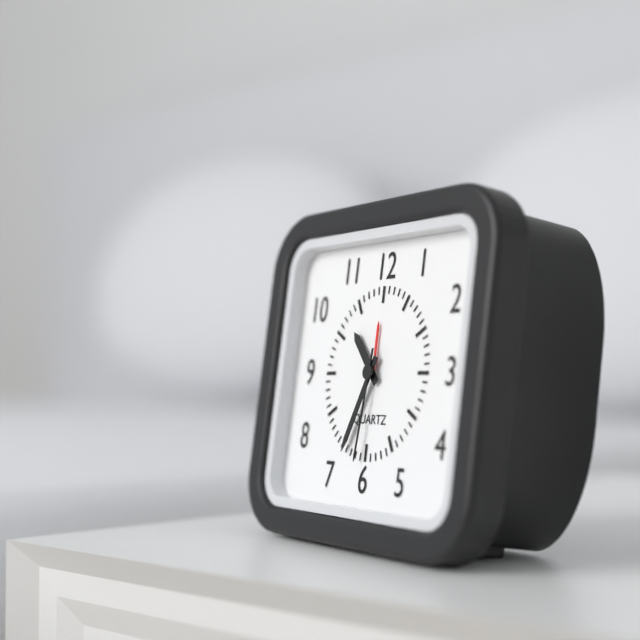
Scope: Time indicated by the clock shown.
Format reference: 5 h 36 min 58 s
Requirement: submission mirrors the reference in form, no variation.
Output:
10 h 34 min 31 s
